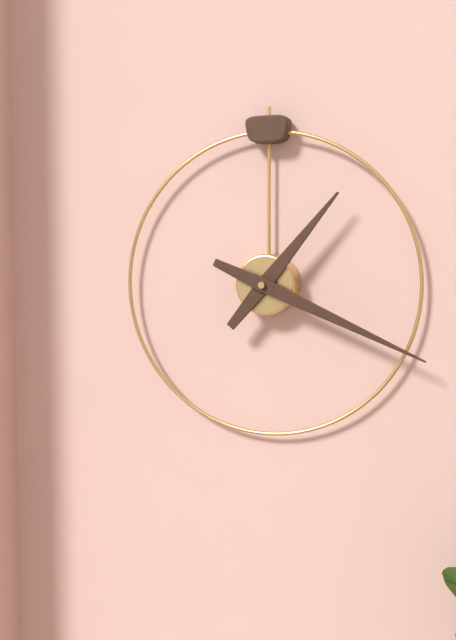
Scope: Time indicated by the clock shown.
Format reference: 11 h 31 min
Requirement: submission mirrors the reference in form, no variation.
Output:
1 h 19 min
